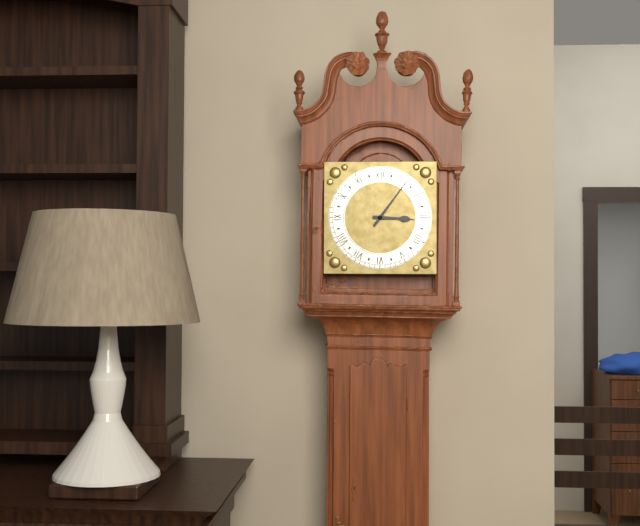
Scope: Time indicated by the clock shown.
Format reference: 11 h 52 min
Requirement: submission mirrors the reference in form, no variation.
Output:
3 h 06 min
